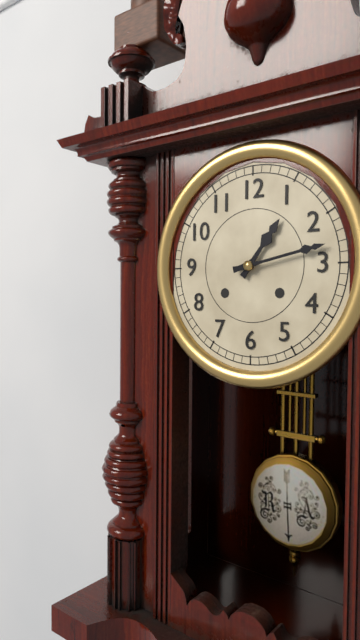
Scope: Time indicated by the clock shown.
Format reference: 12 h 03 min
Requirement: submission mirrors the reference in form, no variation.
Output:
1 h 13 min
